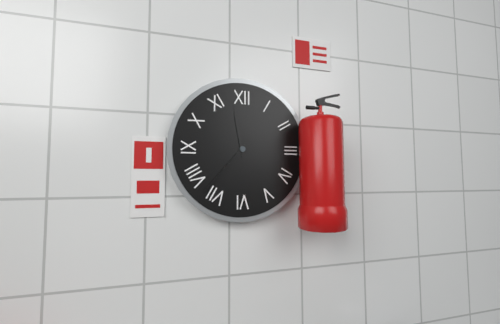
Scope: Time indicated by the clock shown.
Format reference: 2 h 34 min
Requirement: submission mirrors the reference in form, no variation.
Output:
11 h 37 min
